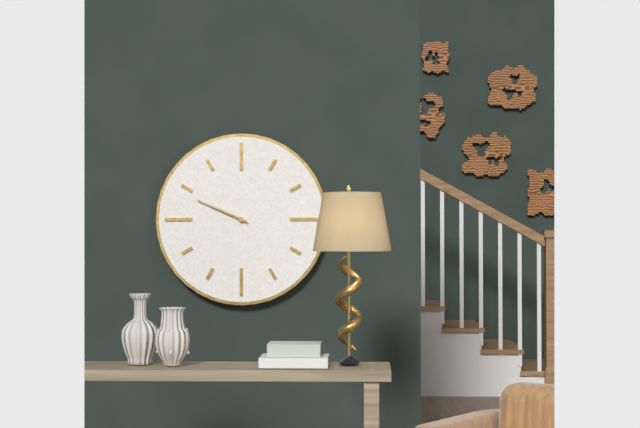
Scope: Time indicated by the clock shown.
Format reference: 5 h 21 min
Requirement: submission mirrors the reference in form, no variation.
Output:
9 h 49 min
